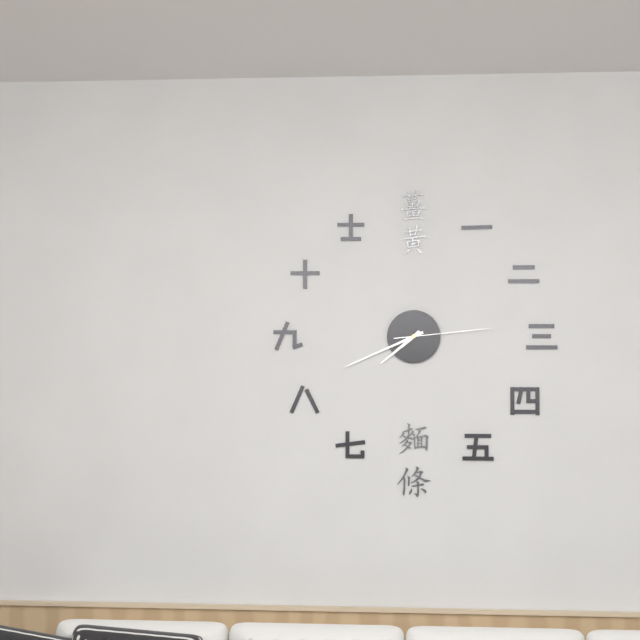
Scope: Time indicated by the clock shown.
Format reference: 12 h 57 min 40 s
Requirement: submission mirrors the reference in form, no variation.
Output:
7 h 41 min 14 s
